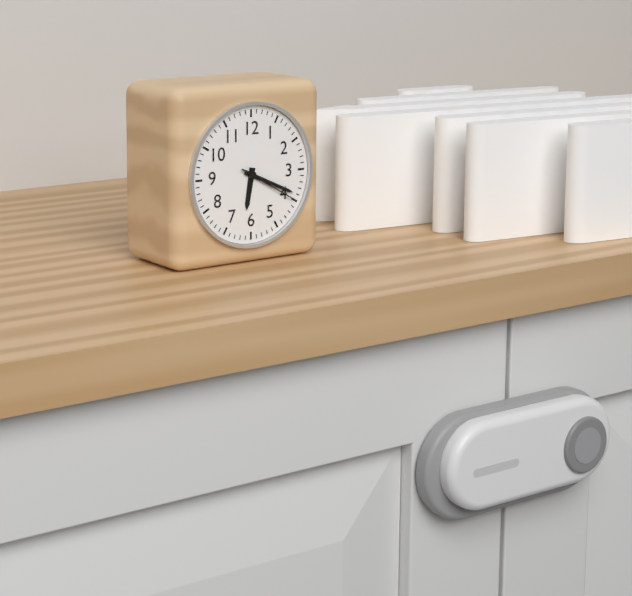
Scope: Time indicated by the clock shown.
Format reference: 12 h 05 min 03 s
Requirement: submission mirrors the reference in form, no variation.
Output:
6 h 19 min 20 s
